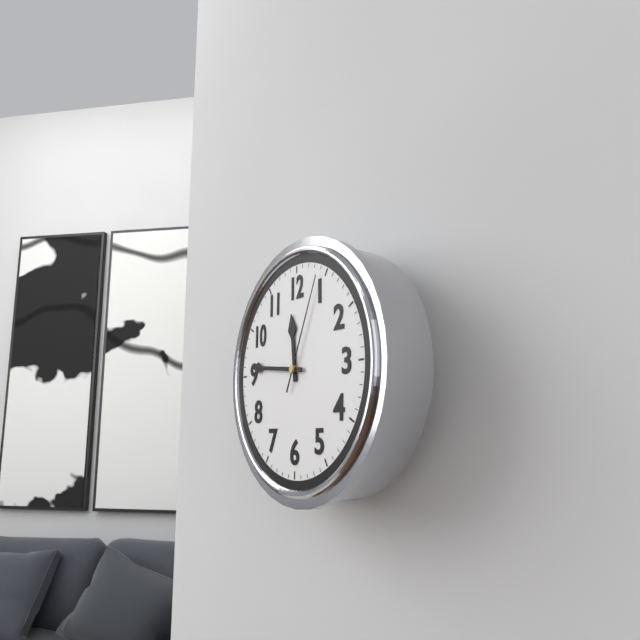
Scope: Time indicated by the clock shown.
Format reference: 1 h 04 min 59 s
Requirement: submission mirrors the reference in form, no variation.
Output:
11 h 46 min 04 s
